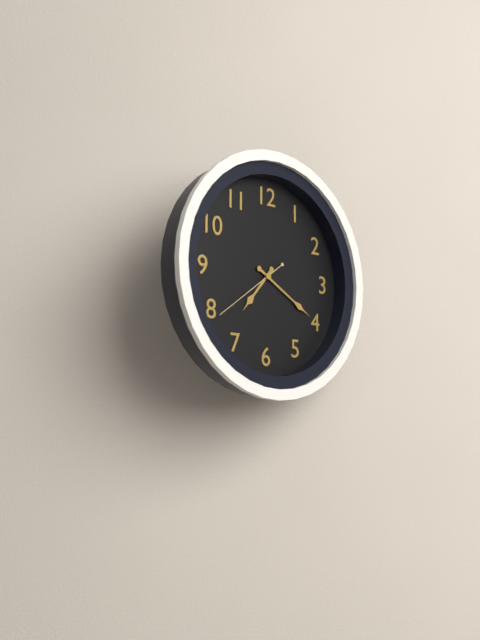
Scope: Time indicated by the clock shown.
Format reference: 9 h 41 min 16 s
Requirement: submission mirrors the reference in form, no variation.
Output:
7 h 20 min 39 s
